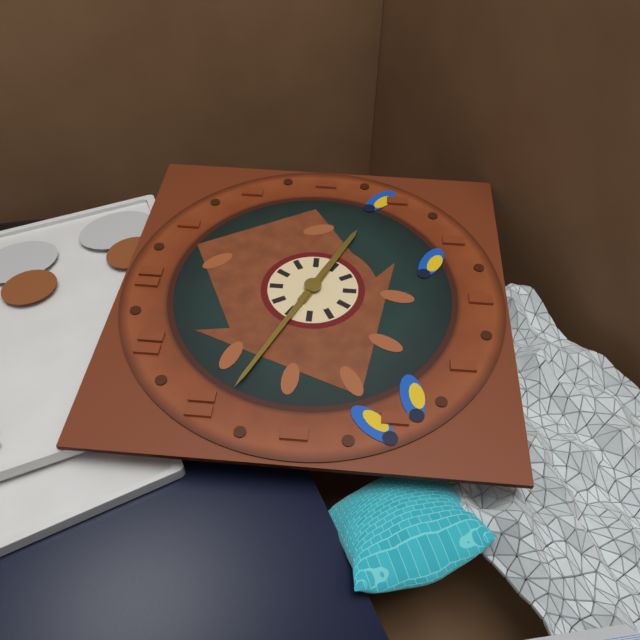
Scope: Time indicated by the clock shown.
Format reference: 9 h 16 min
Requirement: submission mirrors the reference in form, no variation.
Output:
3 h 49 min
